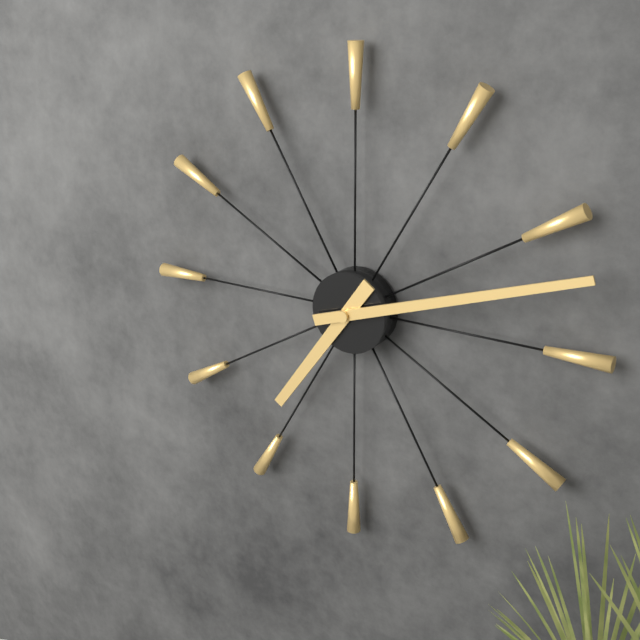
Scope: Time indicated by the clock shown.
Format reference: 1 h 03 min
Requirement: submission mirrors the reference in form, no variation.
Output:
7 h 12 min
